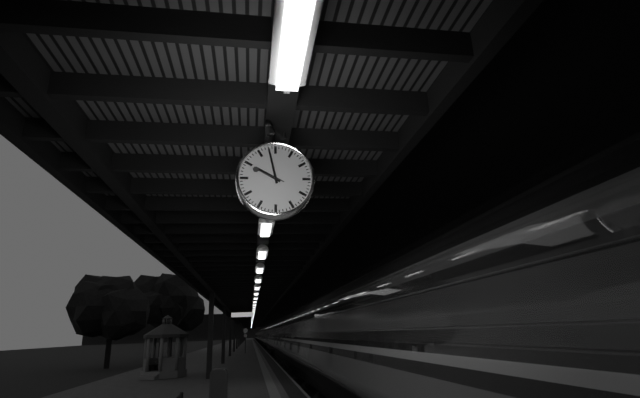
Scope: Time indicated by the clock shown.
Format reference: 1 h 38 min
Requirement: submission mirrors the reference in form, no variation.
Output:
9 h 58 min
